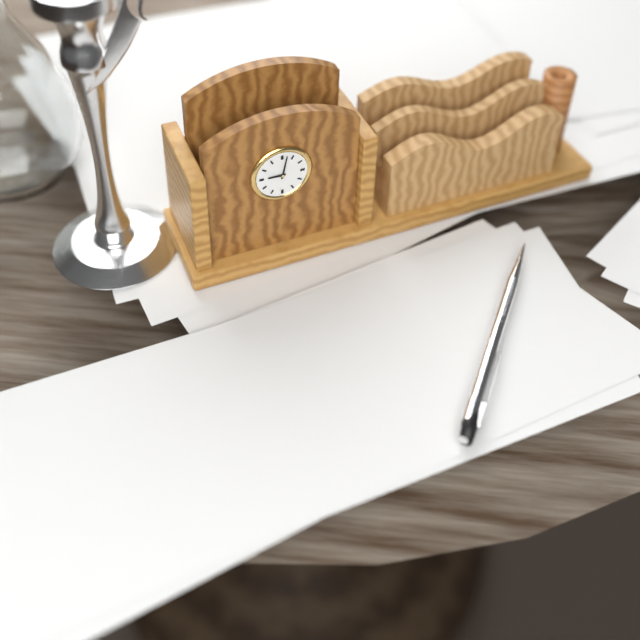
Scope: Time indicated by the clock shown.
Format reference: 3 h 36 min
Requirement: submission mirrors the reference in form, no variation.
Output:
9 h 02 min
